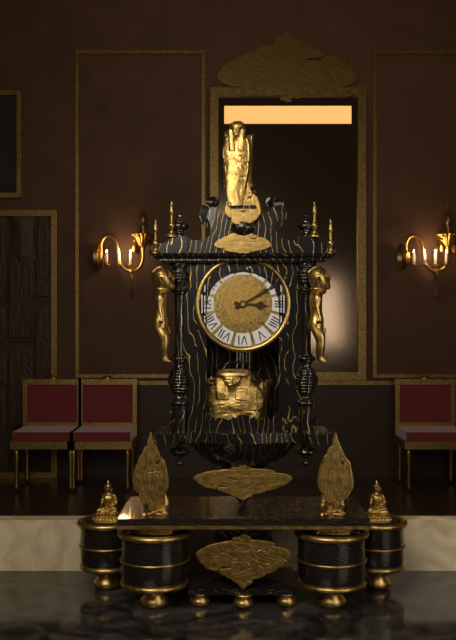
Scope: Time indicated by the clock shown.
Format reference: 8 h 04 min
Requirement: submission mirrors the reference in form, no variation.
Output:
3 h 10 min
